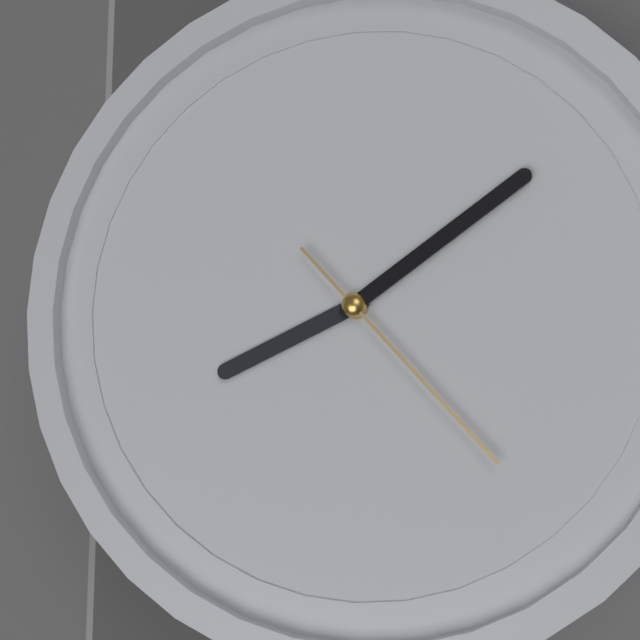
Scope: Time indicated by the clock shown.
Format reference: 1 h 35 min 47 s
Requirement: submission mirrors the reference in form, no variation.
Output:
8 h 09 min 23 s
